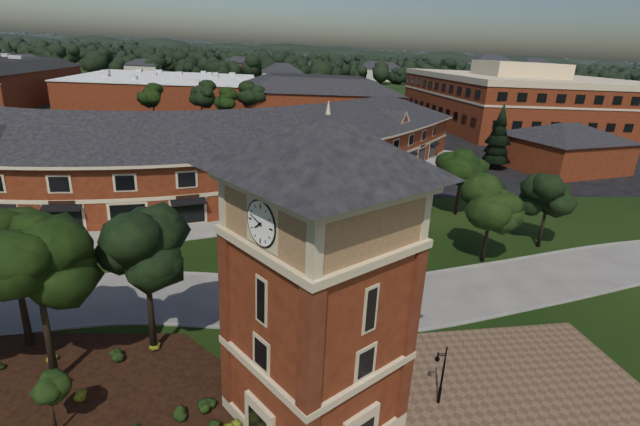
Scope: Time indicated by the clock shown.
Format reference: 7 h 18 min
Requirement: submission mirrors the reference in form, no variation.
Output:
7 h 48 min
